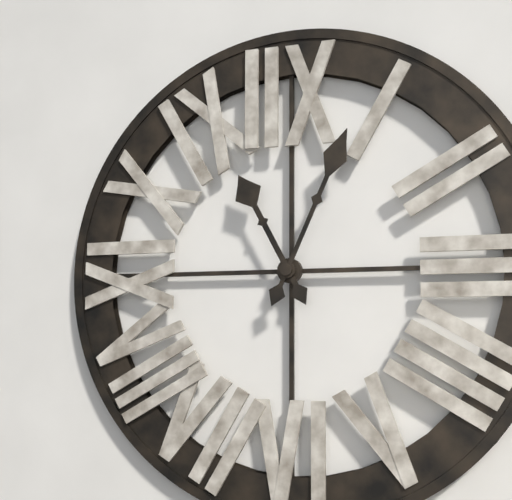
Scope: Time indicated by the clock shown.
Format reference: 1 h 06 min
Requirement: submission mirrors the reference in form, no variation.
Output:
11 h 04 min
